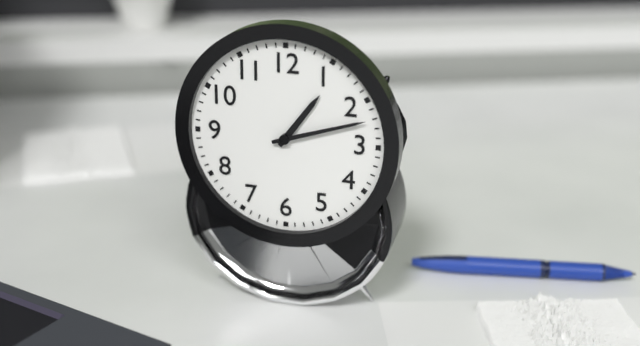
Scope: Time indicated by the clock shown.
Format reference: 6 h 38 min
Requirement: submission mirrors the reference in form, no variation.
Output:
1 h 12 min
